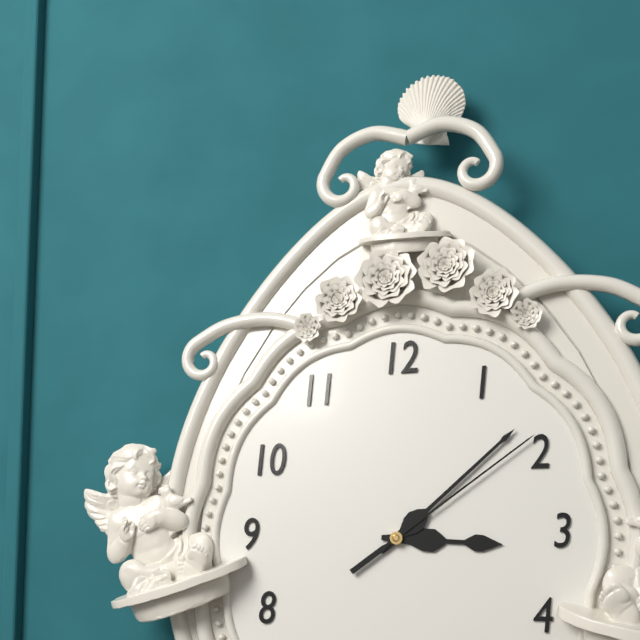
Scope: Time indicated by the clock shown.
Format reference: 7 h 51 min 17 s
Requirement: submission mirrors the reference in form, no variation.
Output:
3 h 08 min 09 s
